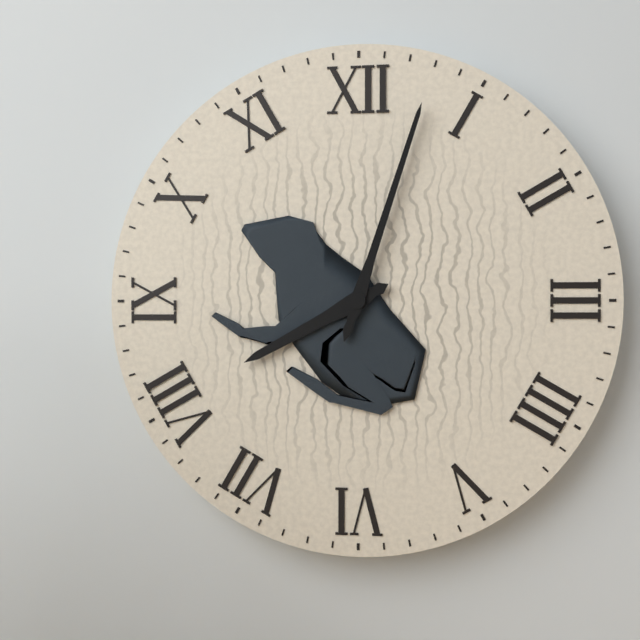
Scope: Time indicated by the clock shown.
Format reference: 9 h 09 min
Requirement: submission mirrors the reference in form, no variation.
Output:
8 h 03 min
